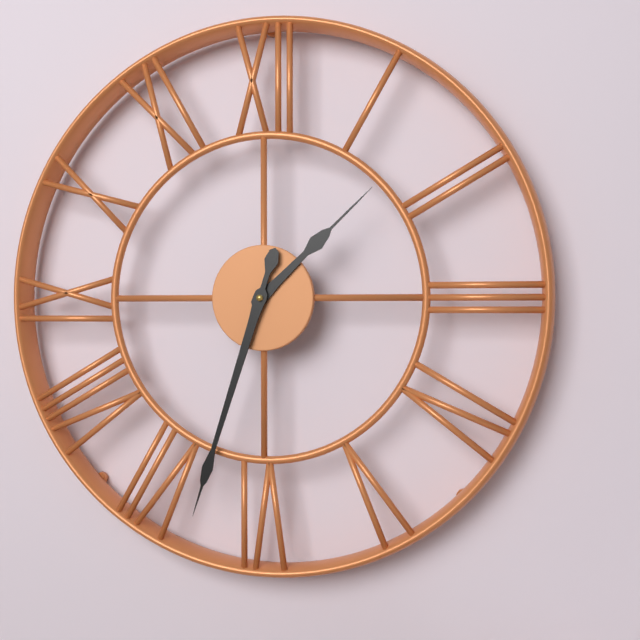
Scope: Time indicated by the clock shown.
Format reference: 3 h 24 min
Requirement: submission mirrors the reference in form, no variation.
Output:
1 h 33 min
